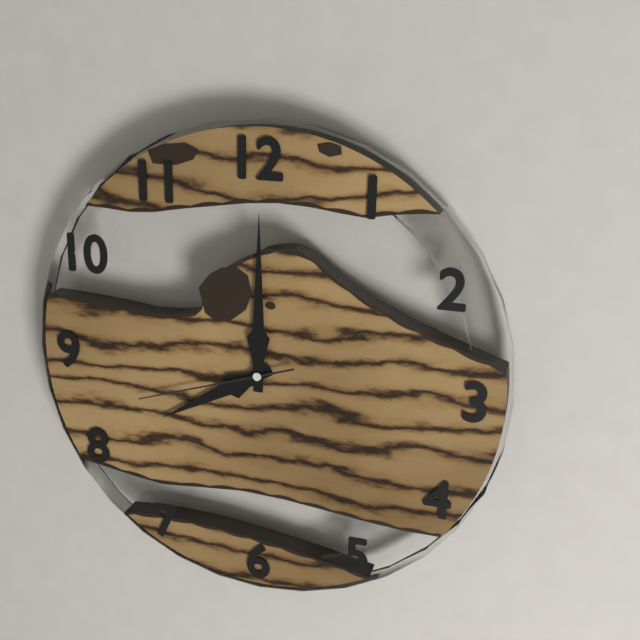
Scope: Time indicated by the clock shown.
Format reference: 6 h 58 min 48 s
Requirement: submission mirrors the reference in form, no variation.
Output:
8 h 00 min 42 s
